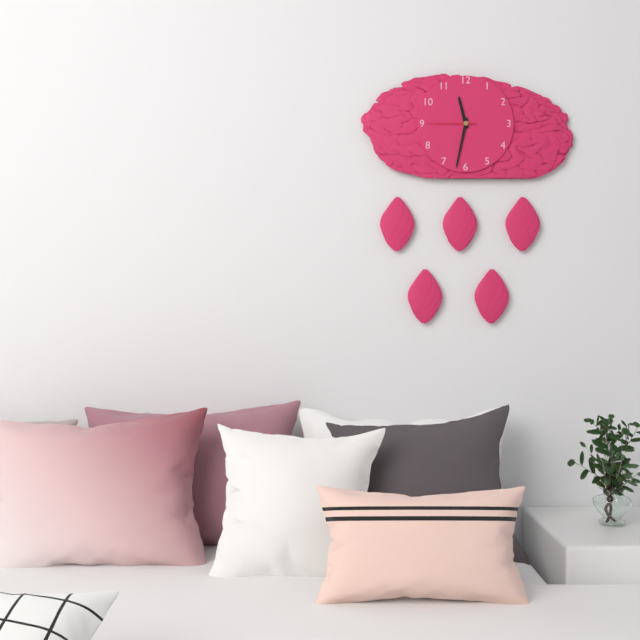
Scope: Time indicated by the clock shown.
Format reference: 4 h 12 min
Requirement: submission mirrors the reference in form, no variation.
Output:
11 h 32 min
